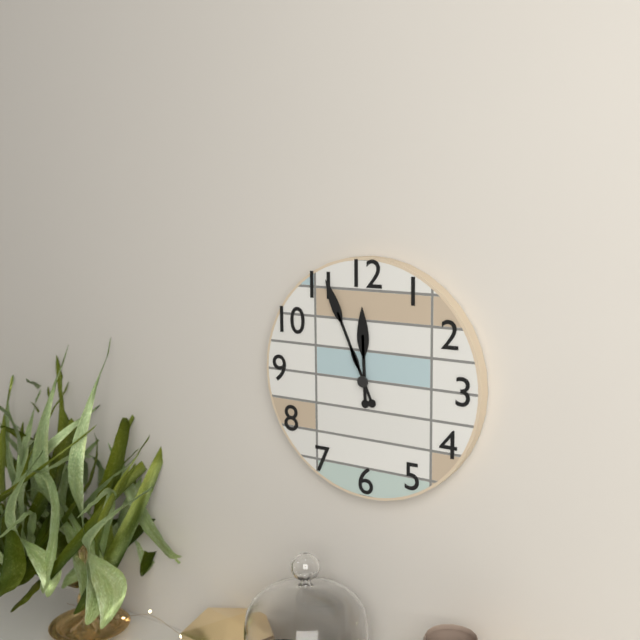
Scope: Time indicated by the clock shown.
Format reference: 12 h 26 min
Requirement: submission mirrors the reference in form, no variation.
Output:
11 h 56 min
